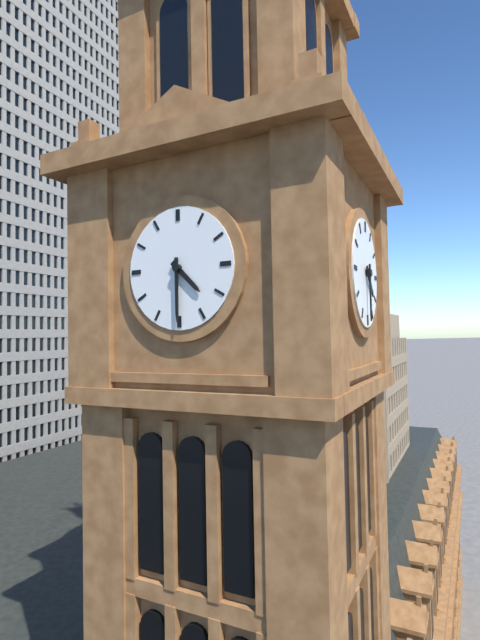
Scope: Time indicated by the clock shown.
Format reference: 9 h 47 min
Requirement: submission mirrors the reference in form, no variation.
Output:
4 h 30 min
